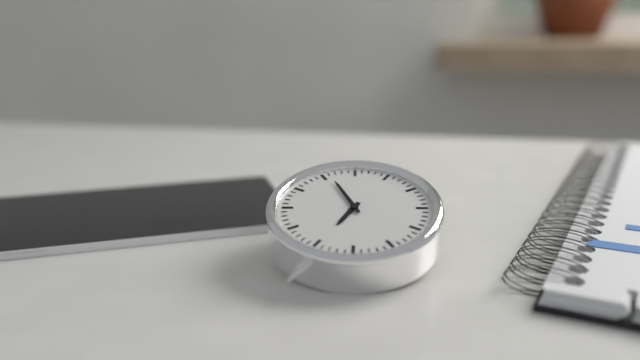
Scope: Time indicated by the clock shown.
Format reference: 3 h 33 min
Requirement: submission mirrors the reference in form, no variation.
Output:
6 h 56 min
